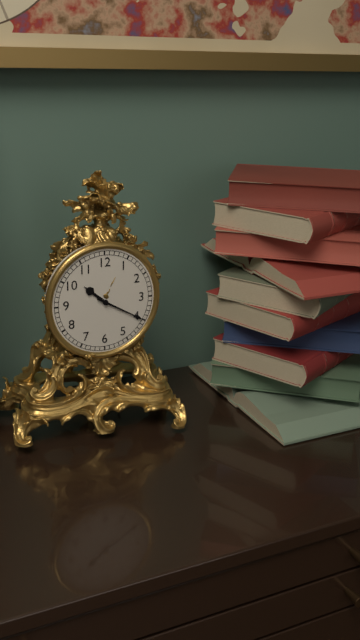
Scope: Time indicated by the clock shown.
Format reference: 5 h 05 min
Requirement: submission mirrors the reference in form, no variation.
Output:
10 h 20 min
